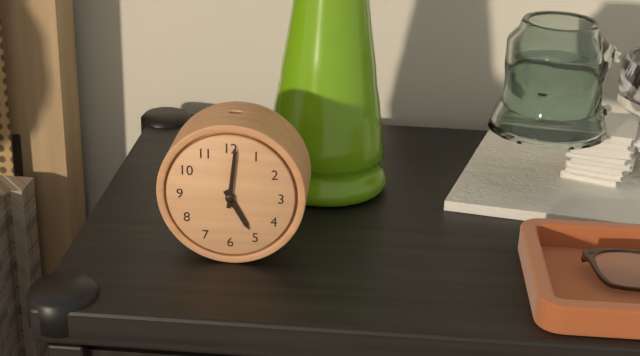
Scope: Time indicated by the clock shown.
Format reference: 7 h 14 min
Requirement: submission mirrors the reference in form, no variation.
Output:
5 h 01 min
